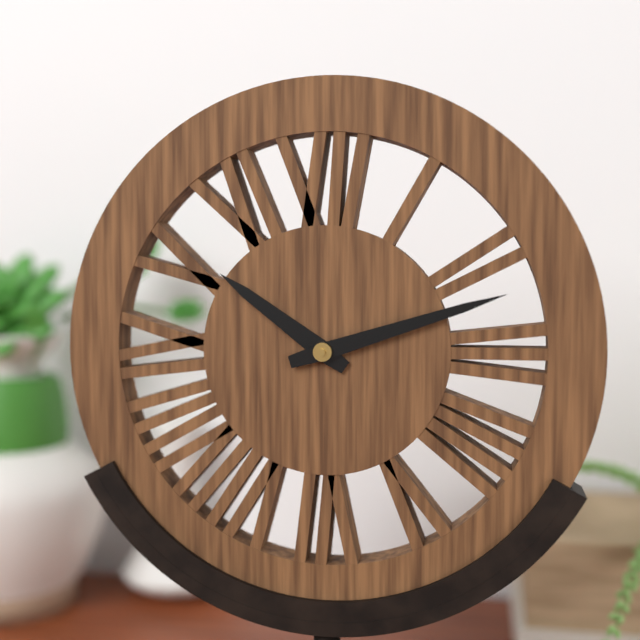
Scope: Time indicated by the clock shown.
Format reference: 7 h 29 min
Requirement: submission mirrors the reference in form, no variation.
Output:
10 h 12 min
